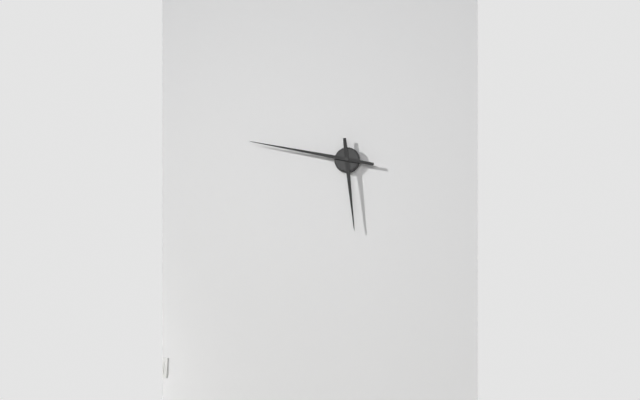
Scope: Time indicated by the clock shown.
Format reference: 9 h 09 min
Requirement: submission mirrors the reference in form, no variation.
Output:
5 h 47 min
